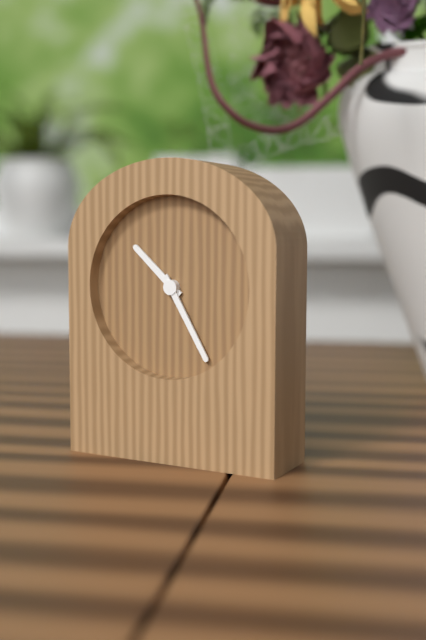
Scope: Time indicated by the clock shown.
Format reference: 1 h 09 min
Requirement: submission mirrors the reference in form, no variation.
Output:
10 h 25 min
